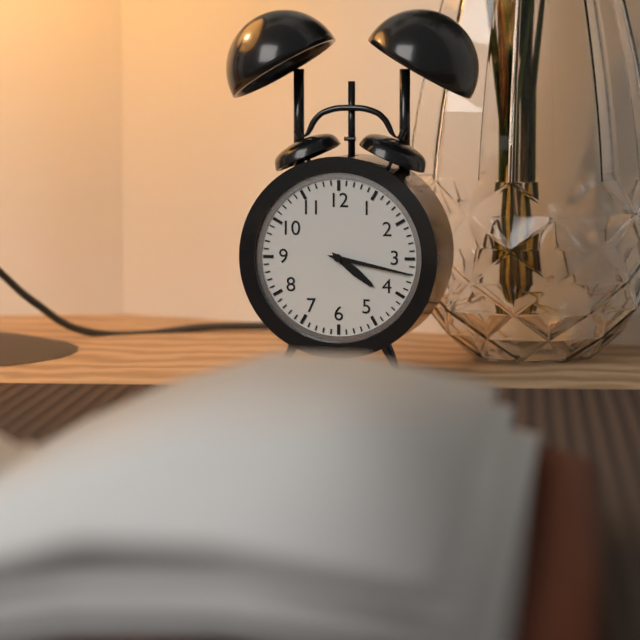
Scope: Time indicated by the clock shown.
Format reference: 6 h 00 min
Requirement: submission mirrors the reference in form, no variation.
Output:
4 h 17 min
